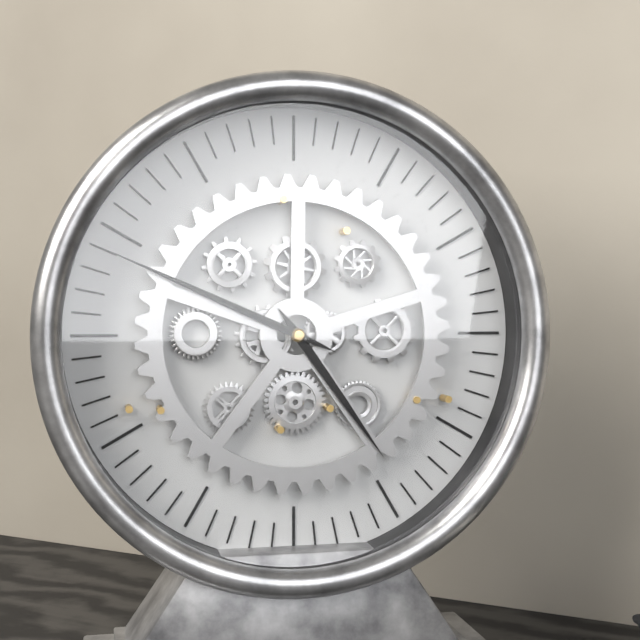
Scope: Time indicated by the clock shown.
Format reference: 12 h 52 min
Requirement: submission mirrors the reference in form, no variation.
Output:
4 h 49 min
